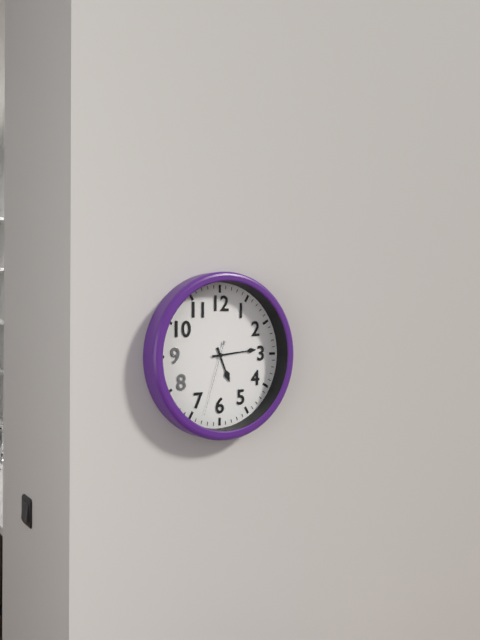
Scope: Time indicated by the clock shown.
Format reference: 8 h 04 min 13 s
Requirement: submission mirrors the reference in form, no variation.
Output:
5 h 14 min 33 s
